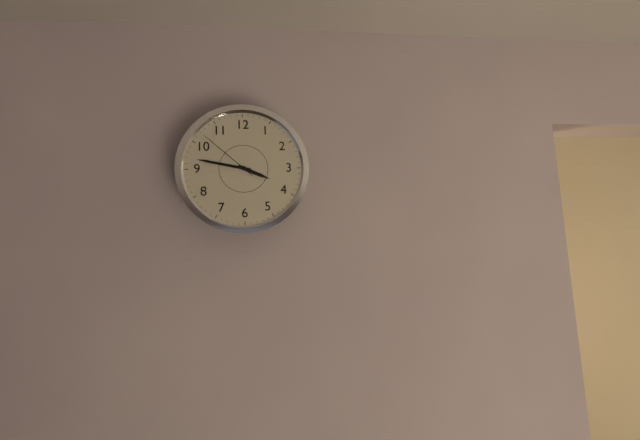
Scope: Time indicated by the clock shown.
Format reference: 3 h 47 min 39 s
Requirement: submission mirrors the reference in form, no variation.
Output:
3 h 47 min 52 s
